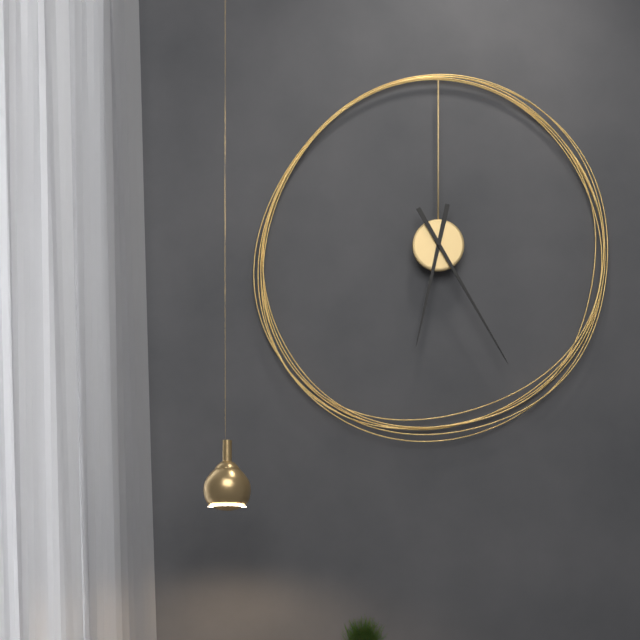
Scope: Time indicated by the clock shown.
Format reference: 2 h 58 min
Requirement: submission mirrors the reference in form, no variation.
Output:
6 h 25 min
